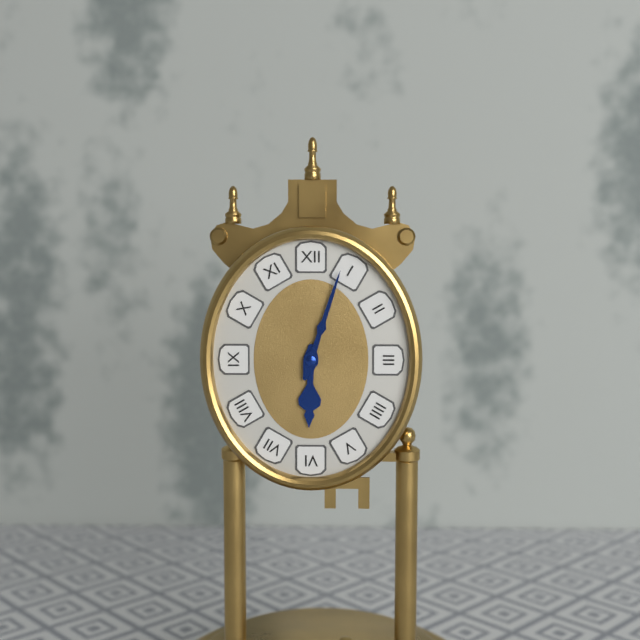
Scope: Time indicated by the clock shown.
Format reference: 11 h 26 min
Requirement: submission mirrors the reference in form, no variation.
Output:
6 h 03 min
